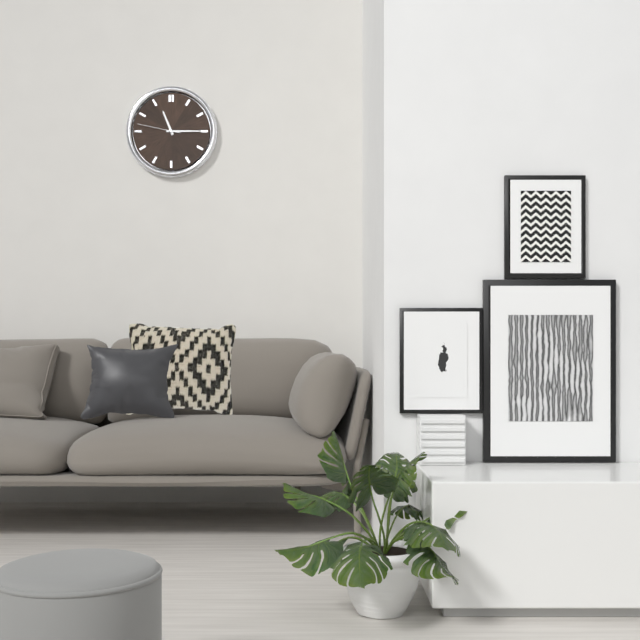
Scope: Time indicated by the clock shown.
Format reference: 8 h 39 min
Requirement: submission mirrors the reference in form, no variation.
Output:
11 h 15 min
